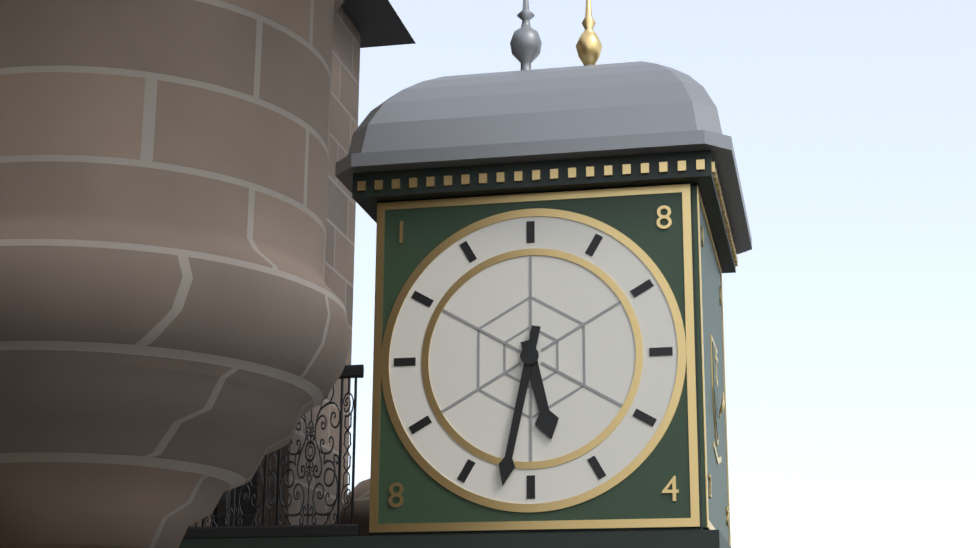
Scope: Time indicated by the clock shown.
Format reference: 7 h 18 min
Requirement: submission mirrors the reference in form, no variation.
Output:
5 h 32 min
